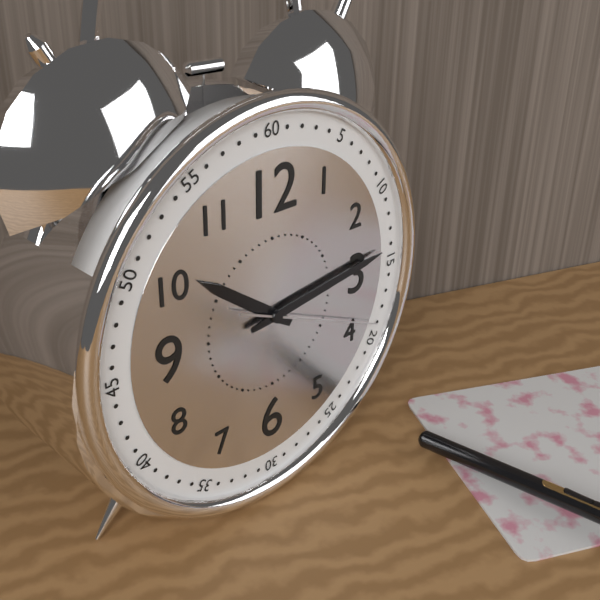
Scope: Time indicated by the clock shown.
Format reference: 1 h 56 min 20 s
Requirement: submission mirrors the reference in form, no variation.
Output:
10 h 14 min 19 s
